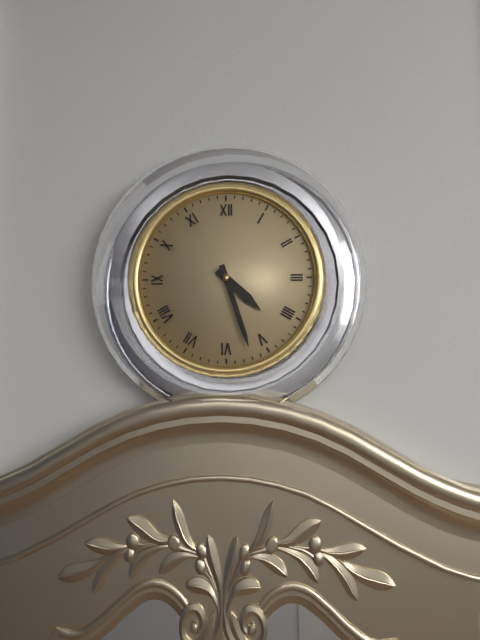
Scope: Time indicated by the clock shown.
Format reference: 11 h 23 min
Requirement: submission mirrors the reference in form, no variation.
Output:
4 h 27 min
